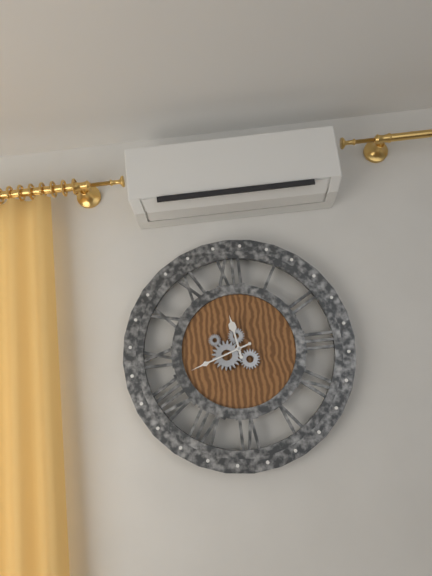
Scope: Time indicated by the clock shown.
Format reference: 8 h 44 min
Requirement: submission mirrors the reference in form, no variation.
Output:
11 h 42 min
